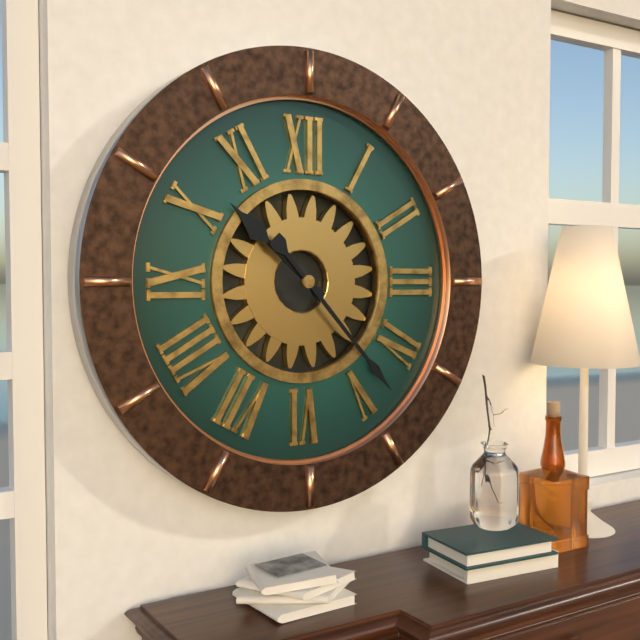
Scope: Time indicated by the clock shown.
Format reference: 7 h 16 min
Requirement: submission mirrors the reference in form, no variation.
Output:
10 h 23 min
